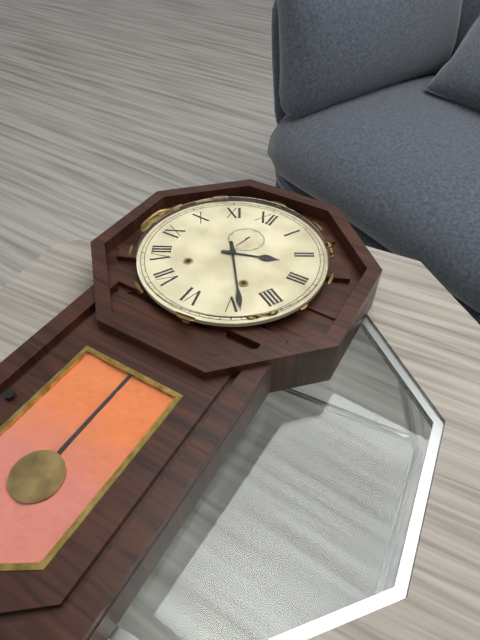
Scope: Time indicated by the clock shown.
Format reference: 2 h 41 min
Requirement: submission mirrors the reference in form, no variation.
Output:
2 h 24 min
